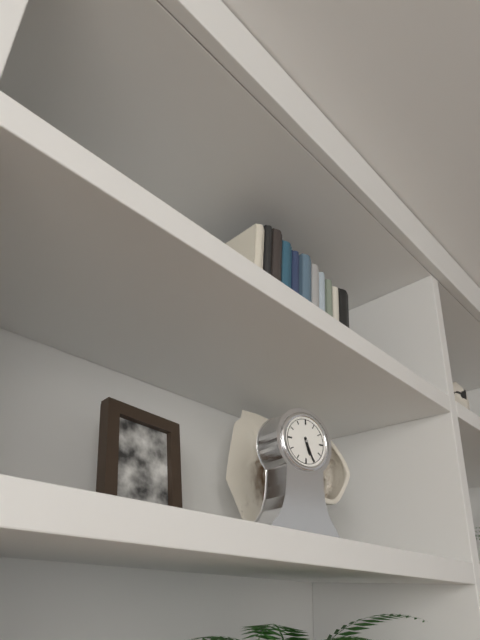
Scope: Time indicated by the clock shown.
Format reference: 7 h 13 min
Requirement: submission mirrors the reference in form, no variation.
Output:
5 h 26 min
